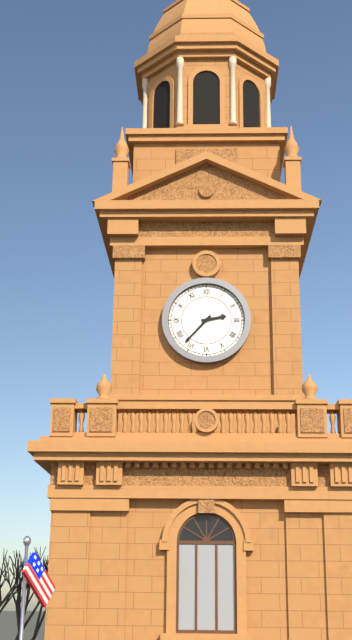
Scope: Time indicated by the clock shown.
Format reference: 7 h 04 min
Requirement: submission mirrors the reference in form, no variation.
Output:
2 h 37 min
